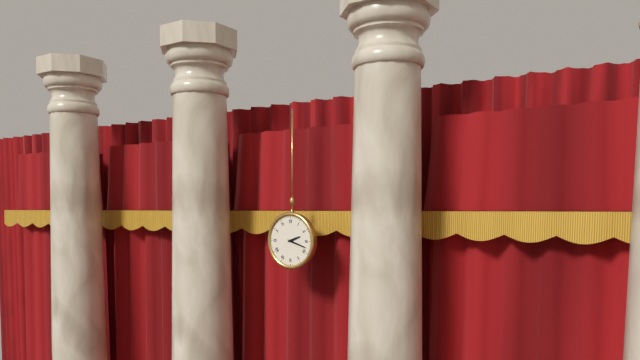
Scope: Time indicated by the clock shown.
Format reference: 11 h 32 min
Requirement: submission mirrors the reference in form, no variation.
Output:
2 h 18 min
